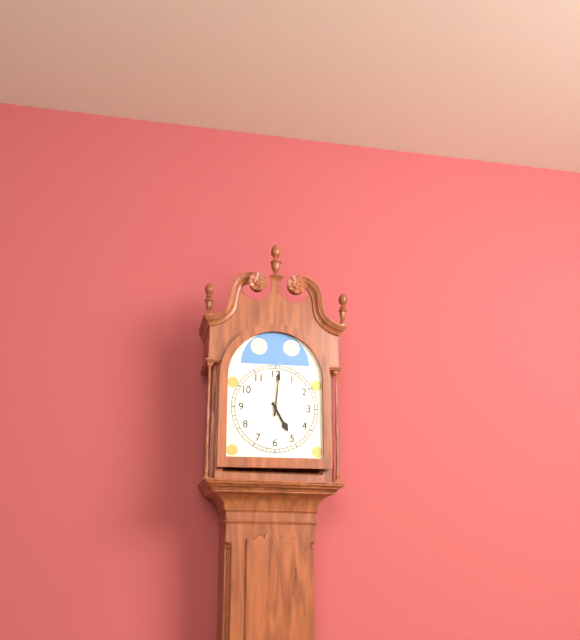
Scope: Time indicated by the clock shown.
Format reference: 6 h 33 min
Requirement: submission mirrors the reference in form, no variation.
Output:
5 h 01 min
